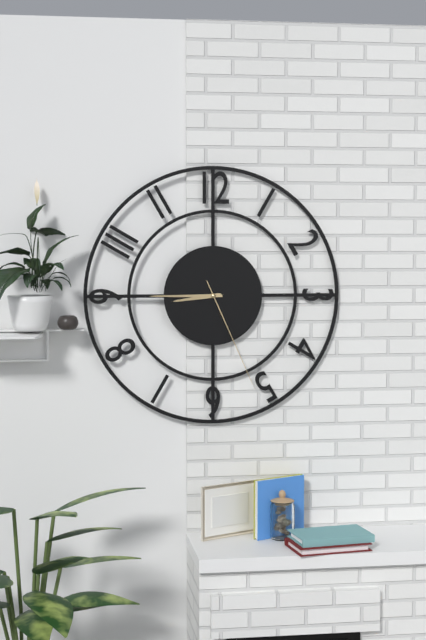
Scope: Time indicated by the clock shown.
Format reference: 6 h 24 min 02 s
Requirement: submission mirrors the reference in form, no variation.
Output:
8 h 45 min 26 s
